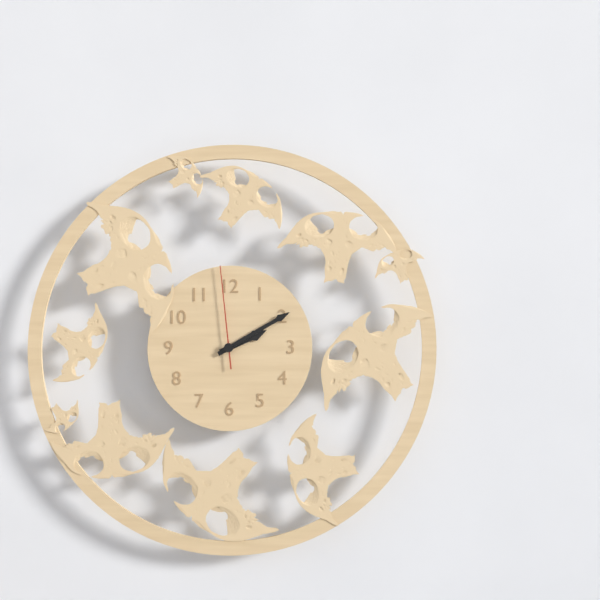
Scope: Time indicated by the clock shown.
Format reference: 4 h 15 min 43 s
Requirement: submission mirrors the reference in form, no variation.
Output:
2 h 10 min 59 s
